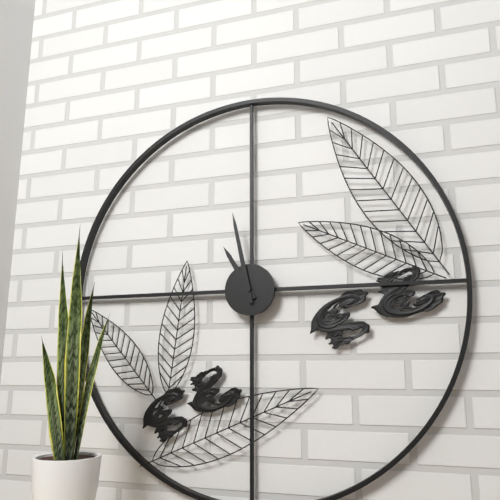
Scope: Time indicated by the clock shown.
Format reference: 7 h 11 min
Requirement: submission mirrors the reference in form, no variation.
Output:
10 h 58 min
